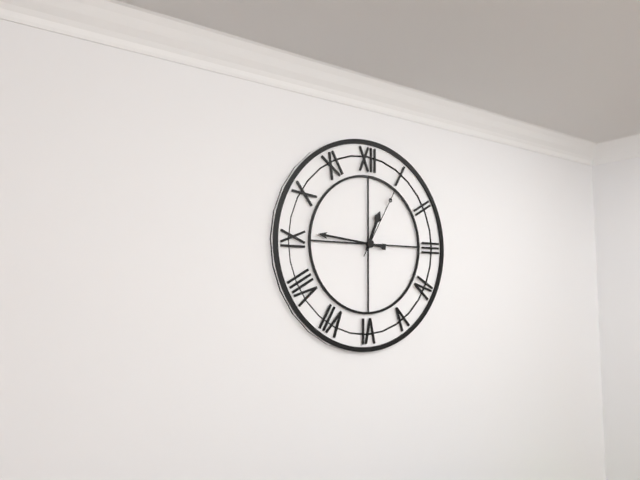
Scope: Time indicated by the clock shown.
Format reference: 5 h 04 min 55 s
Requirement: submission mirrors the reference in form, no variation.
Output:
12 h 46 min 05 s
